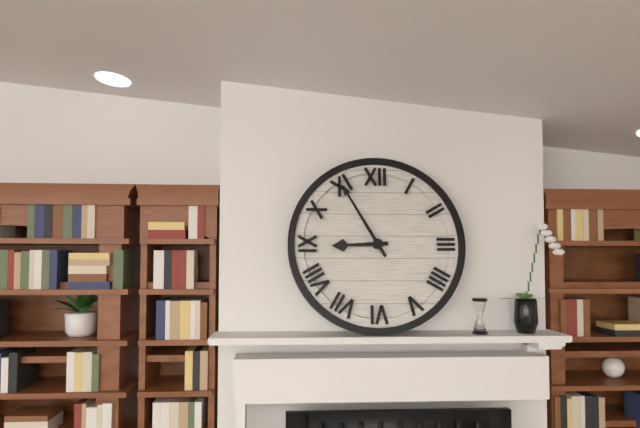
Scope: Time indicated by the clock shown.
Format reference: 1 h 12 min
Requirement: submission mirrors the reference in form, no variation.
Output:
8 h 55 min
